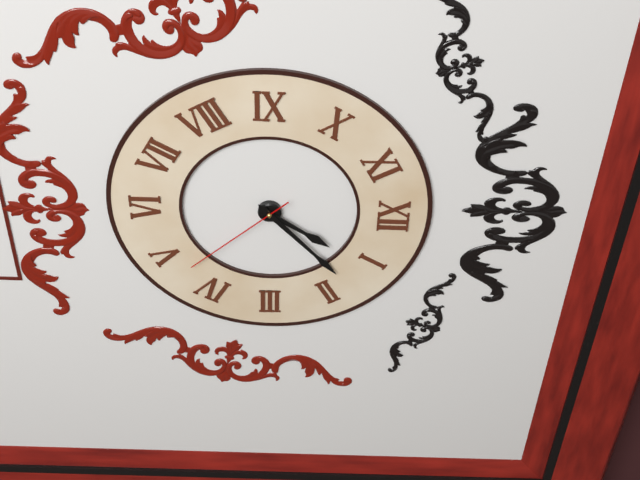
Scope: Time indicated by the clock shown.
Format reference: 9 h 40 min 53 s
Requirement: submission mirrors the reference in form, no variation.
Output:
1 h 08 min 23 s
